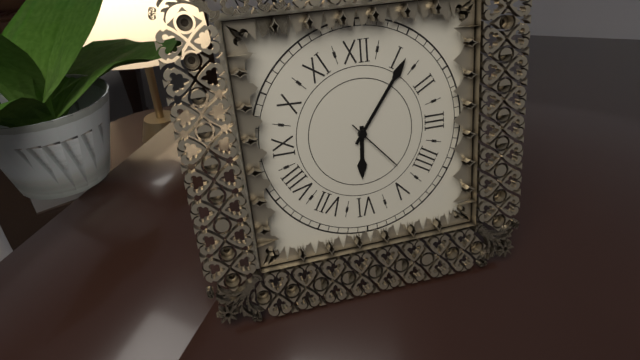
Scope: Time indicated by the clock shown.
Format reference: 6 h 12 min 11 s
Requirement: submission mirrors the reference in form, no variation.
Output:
6 h 06 min 23 s
